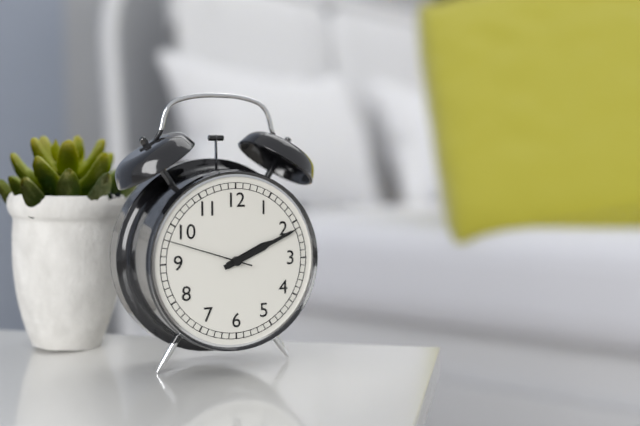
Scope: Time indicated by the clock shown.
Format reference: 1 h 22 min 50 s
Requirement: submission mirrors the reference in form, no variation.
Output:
2 h 11 min 48 s
